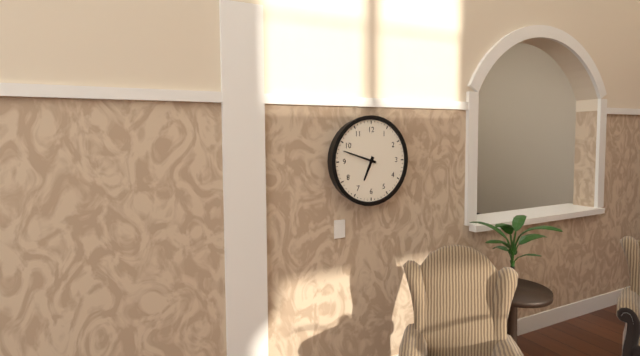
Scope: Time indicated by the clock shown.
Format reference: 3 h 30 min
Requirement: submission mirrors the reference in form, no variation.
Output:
6 h 48 min
